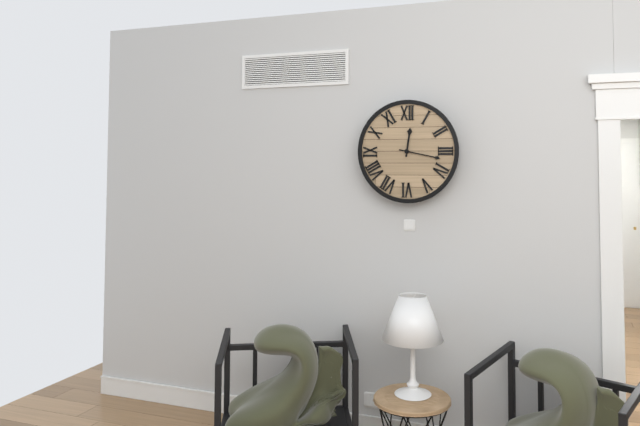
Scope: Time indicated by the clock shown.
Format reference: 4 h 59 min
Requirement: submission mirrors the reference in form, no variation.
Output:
12 h 17 min
